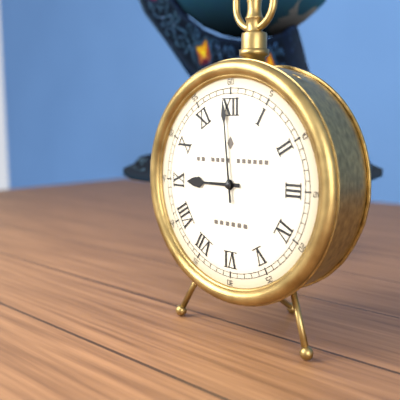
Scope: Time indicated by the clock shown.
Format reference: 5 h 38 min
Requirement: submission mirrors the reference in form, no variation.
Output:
8 h 59 min
